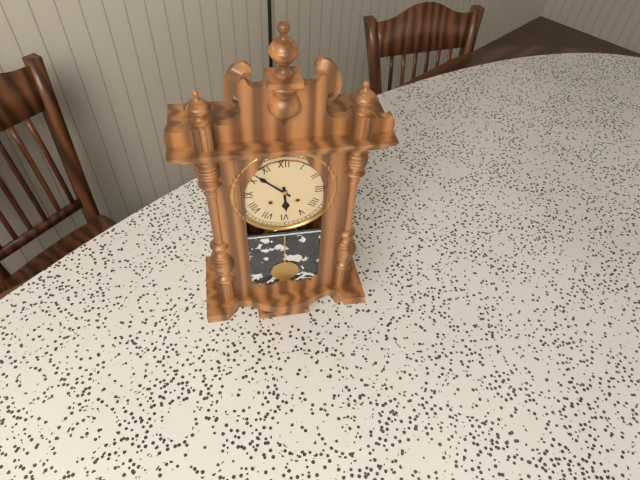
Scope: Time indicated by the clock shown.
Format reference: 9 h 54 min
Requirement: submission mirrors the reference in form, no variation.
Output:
5 h 52 min
